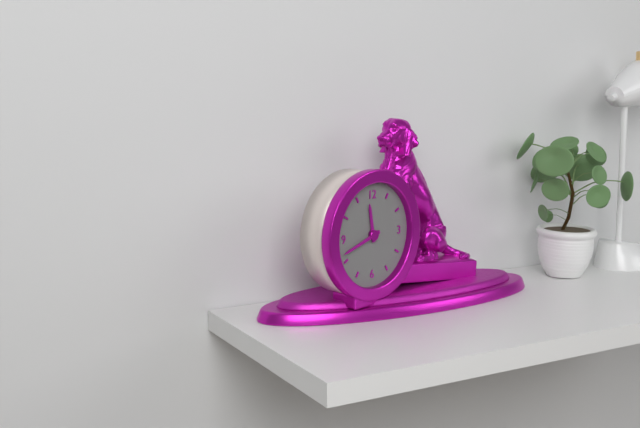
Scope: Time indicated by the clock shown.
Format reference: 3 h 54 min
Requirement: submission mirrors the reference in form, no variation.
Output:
11 h 42 min
